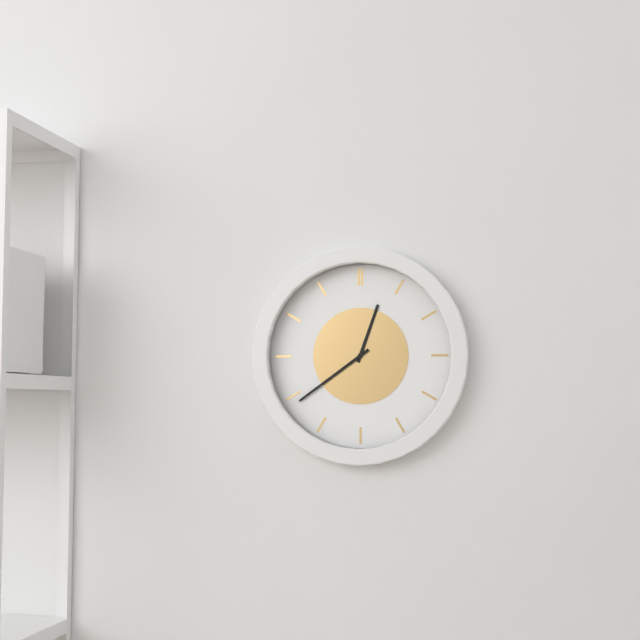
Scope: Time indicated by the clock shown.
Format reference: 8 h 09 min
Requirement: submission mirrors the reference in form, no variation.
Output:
12 h 39 min
